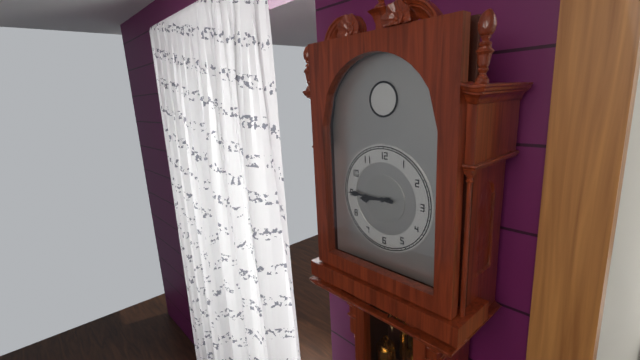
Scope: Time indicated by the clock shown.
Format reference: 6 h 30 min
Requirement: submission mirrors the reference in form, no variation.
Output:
8 h 45 min
